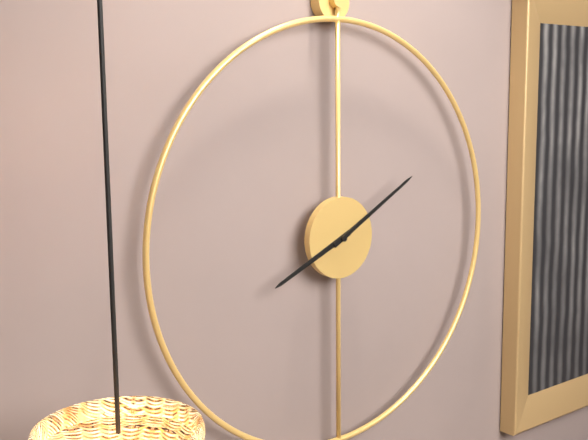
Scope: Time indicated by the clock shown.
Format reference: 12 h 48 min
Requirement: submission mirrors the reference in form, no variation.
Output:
8 h 10 min
